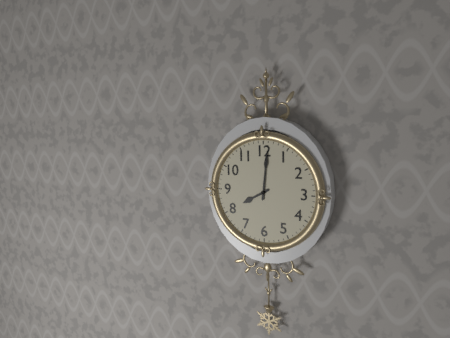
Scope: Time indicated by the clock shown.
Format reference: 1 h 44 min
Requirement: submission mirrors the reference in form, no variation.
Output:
8 h 01 min
